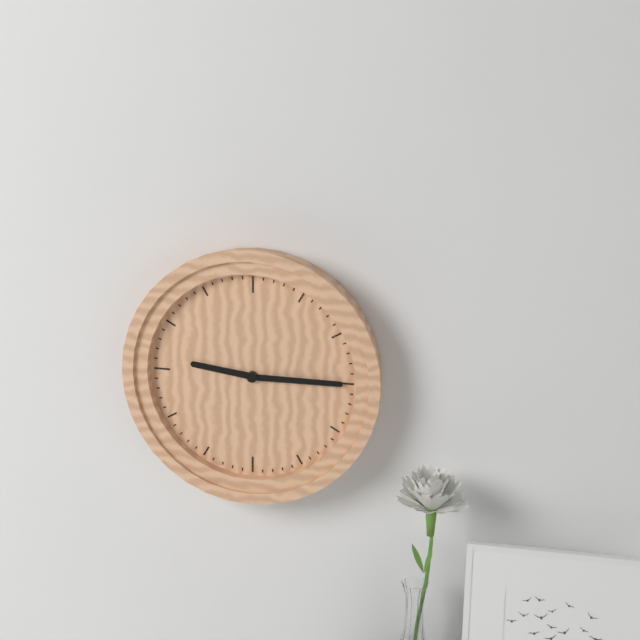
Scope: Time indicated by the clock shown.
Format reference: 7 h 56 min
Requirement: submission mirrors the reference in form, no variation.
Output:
9 h 15 min
